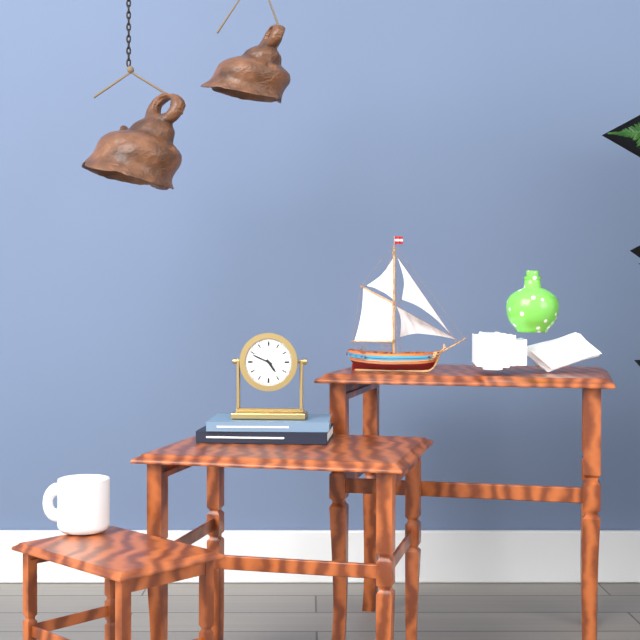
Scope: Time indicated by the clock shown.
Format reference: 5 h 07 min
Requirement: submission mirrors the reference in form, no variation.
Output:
4 h 49 min
